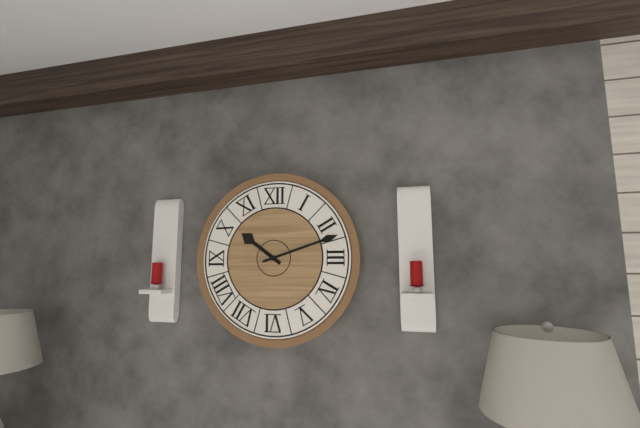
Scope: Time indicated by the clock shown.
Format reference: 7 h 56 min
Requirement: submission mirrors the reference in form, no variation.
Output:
10 h 12 min
